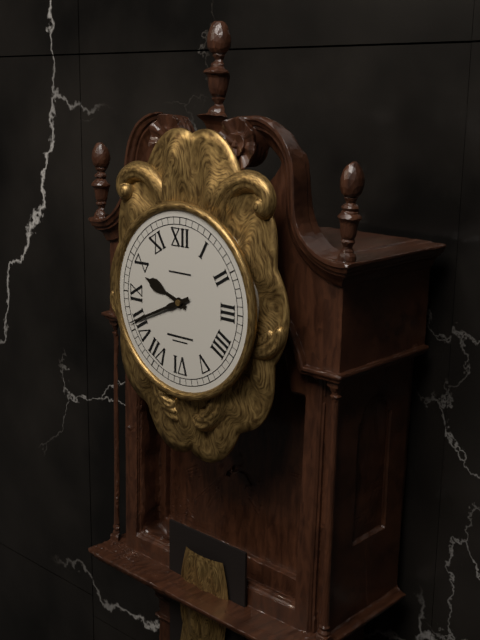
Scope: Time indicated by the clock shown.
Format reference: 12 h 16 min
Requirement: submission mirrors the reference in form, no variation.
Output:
9 h 41 min
